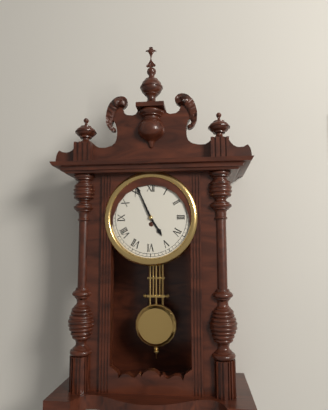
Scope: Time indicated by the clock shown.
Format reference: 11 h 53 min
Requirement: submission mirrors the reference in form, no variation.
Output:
4 h 56 min
